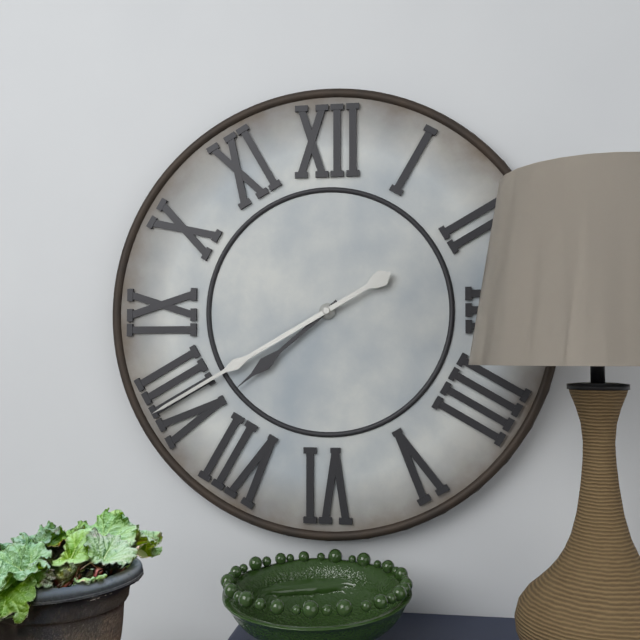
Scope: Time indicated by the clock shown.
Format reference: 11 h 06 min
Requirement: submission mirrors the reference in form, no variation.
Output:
7 h 40 min
